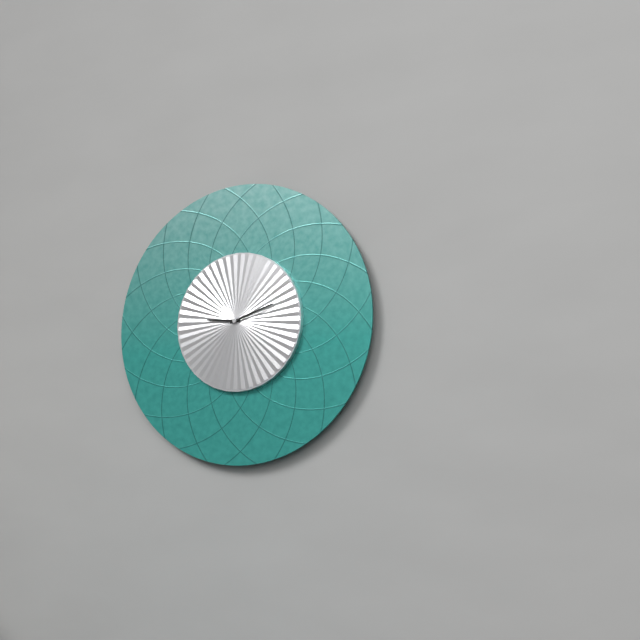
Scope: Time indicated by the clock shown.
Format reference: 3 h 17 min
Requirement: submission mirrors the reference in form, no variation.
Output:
9 h 12 min
